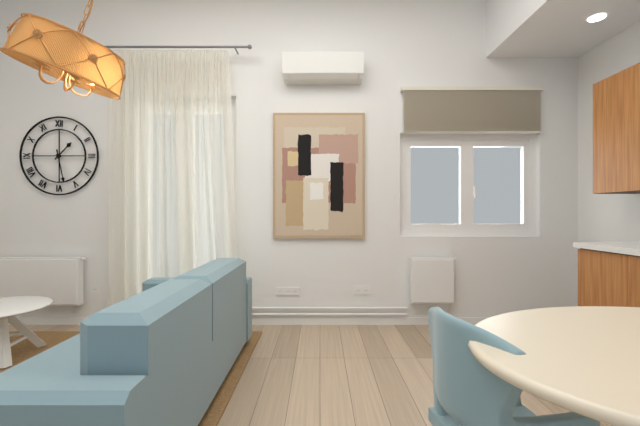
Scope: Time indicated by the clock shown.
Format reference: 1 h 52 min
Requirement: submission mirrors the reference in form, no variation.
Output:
1 h 28 min
